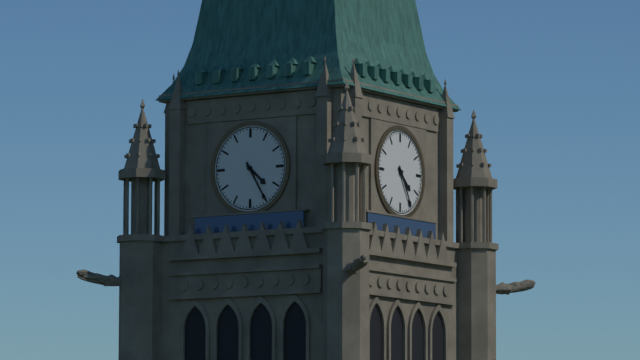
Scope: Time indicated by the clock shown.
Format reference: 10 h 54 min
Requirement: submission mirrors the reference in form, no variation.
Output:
4 h 25 min
